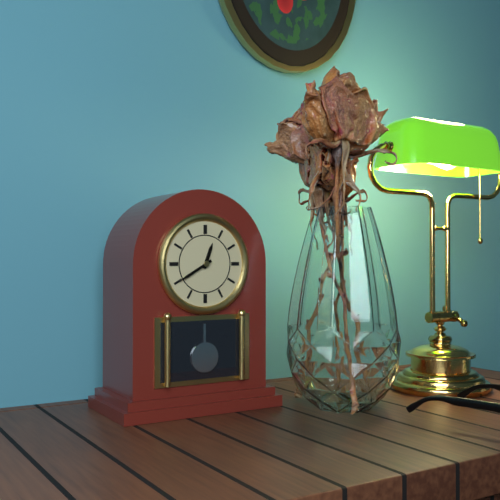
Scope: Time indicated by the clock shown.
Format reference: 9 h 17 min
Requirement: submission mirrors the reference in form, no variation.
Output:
12 h 40 min
